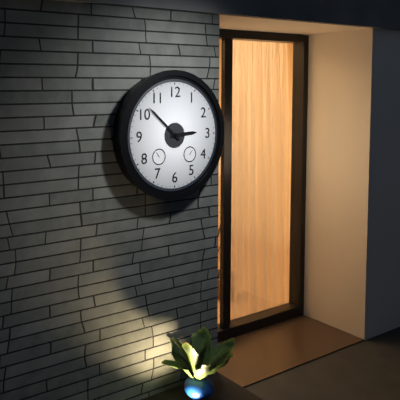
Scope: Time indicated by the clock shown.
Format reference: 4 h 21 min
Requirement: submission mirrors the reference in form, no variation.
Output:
2 h 52 min
